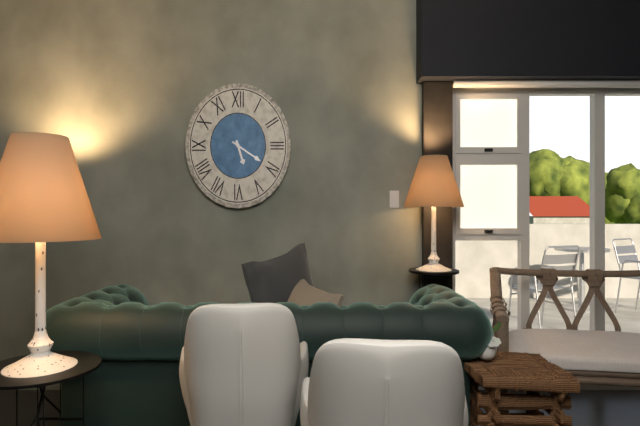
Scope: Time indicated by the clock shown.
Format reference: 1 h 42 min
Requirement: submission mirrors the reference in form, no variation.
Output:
5 h 20 min
